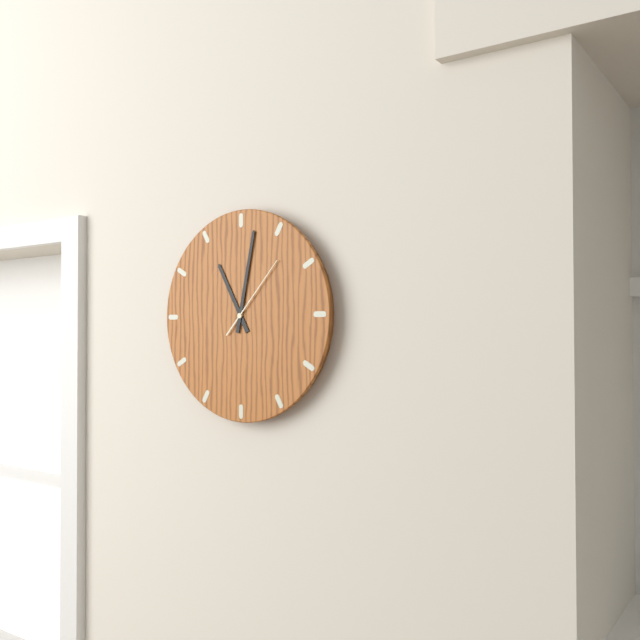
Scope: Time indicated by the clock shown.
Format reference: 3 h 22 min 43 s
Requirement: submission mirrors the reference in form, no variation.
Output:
11 h 02 min 07 s
